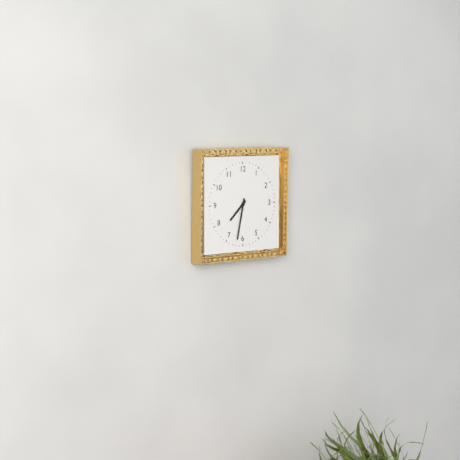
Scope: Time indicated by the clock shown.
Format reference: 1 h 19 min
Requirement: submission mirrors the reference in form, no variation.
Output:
7 h 32 min
